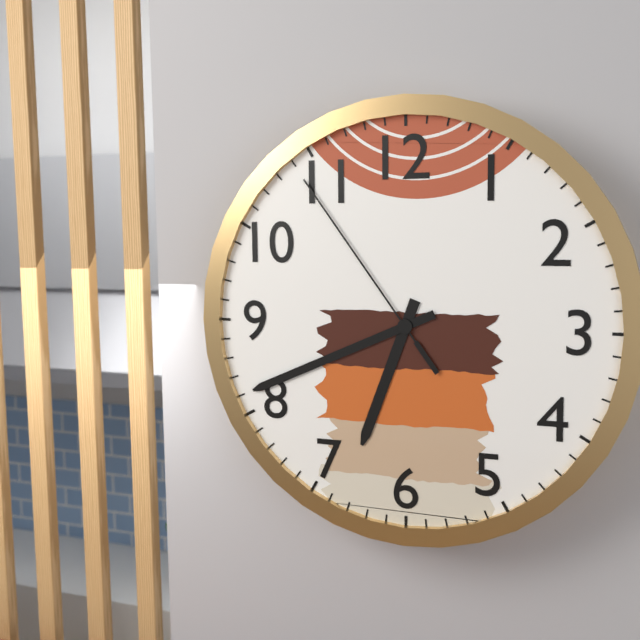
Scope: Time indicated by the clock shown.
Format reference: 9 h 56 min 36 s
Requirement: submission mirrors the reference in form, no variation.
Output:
6 h 41 min 54 s
